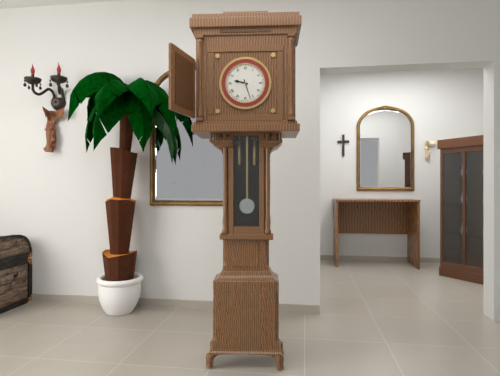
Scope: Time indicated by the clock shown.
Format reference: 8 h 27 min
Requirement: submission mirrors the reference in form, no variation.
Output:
9 h 27 min
